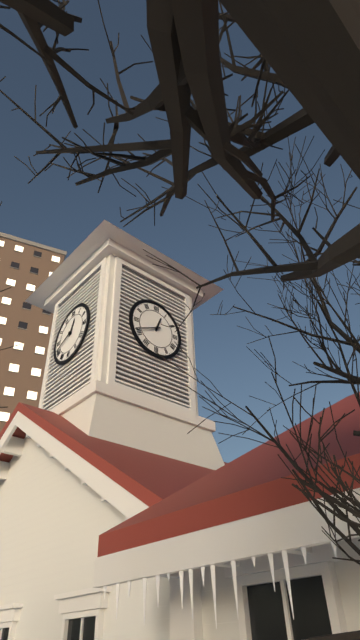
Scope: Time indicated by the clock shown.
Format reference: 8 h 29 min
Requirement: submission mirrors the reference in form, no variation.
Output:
12 h 41 min
